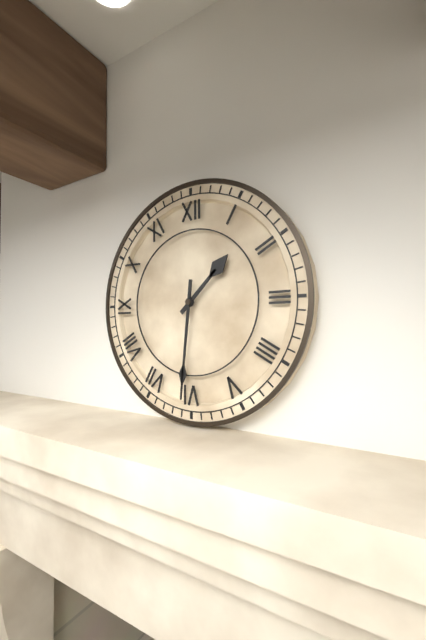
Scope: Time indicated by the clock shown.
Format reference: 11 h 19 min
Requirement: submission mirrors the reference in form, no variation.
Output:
1 h 31 min
